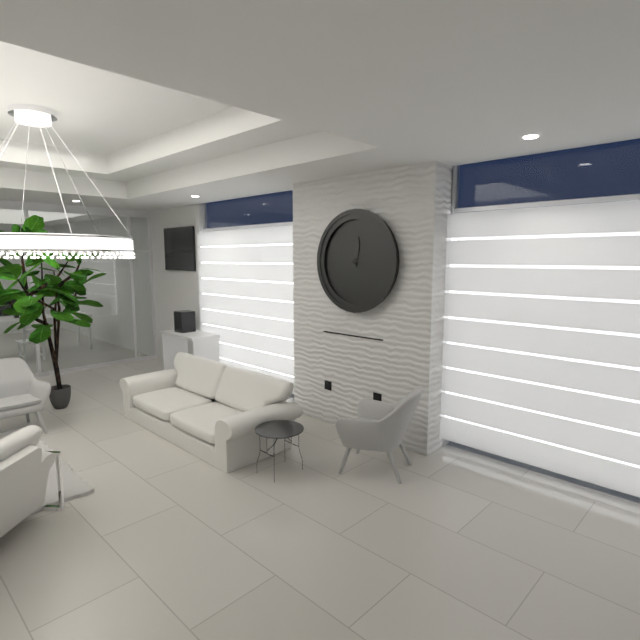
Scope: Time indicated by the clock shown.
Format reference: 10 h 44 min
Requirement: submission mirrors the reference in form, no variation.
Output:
12 h 15 min
